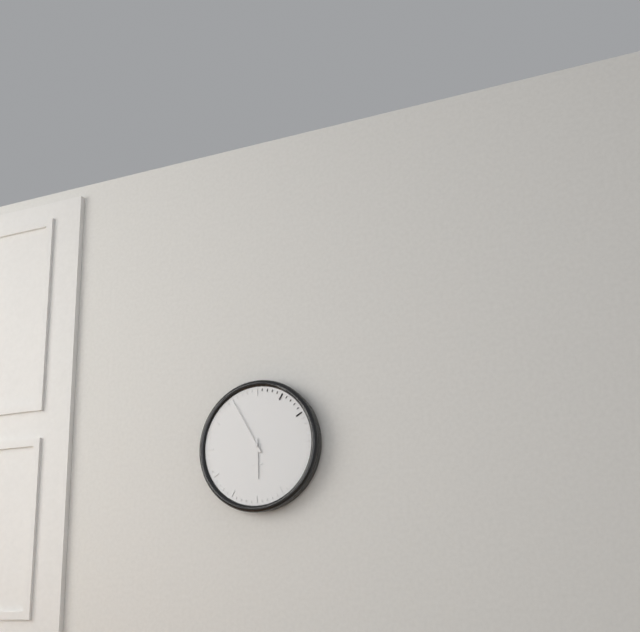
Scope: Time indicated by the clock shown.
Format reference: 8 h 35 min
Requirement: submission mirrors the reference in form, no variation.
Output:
5 h 55 min
